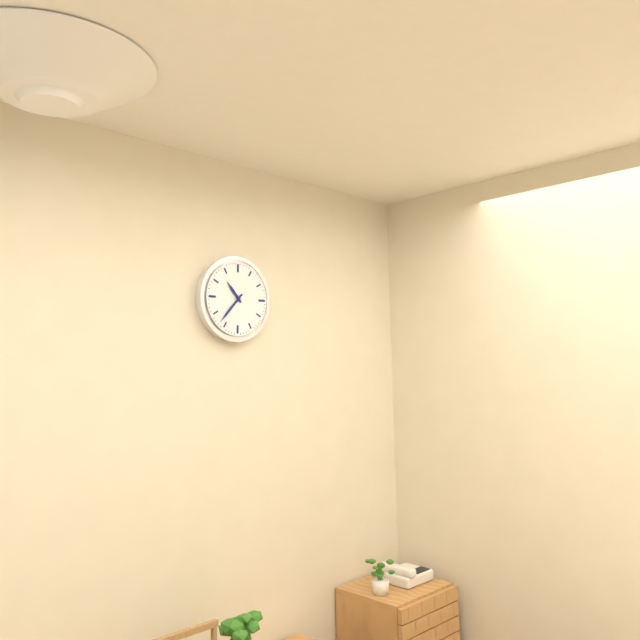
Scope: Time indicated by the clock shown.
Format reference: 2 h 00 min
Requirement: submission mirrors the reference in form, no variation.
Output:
10 h 37 min
